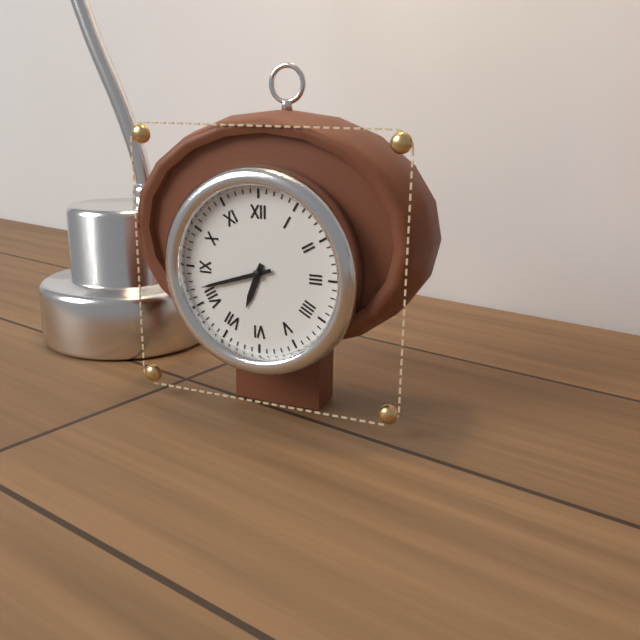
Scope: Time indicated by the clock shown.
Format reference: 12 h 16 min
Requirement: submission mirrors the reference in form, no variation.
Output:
6 h 42 min
